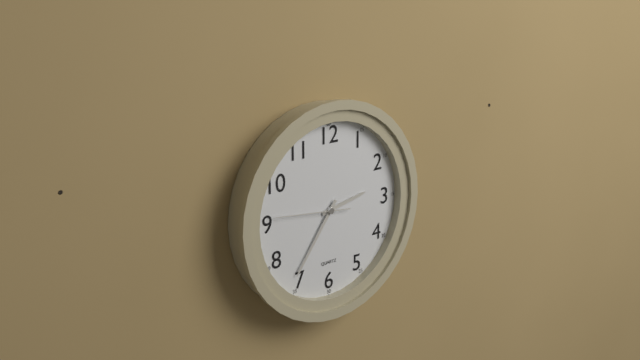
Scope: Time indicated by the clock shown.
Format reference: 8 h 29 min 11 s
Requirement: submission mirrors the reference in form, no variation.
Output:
2 h 36 min 46 s
